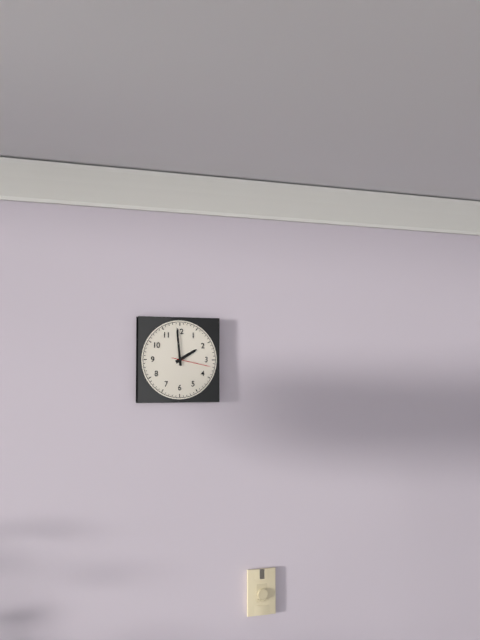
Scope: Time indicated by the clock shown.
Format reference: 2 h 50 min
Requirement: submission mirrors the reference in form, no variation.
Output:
1 h 59 min
